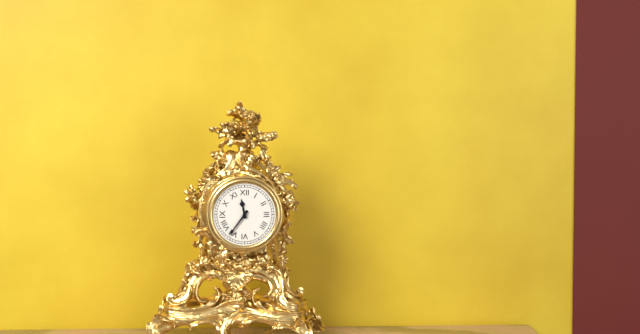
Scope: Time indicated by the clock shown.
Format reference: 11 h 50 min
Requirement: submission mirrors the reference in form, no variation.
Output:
11 h 36 min
